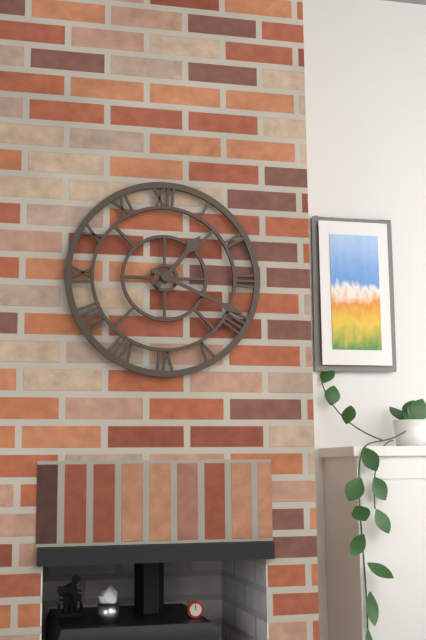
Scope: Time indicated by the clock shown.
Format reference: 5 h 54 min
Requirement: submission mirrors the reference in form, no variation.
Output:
1 h 19 min
